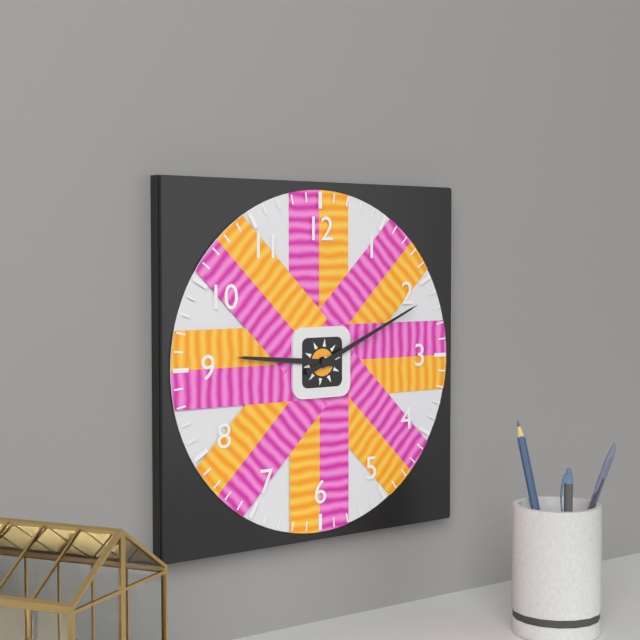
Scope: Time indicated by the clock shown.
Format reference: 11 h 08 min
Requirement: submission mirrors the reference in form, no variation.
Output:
9 h 11 min
